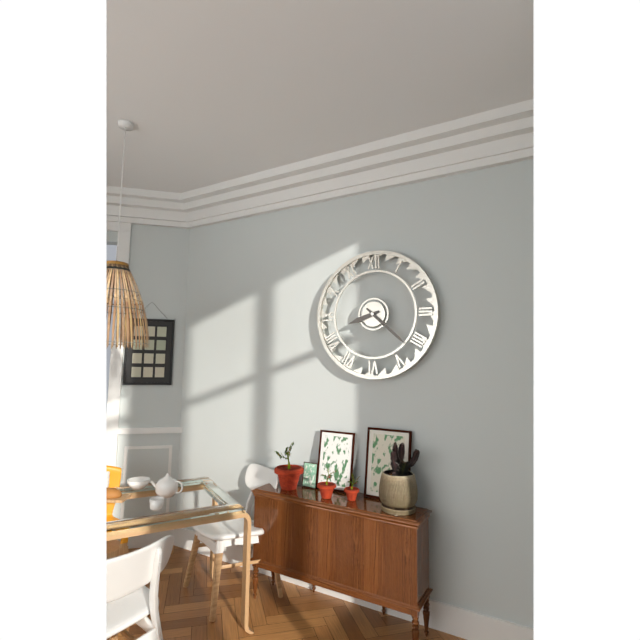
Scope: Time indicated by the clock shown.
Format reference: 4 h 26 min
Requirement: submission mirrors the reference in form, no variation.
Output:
8 h 22 min
